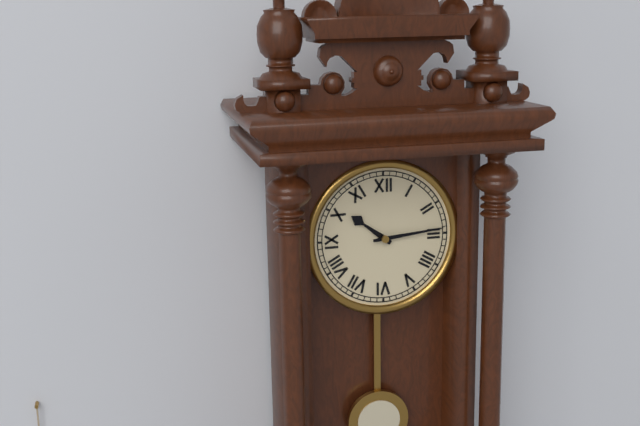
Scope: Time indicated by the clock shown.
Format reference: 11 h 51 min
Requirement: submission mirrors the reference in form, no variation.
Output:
10 h 14 min
